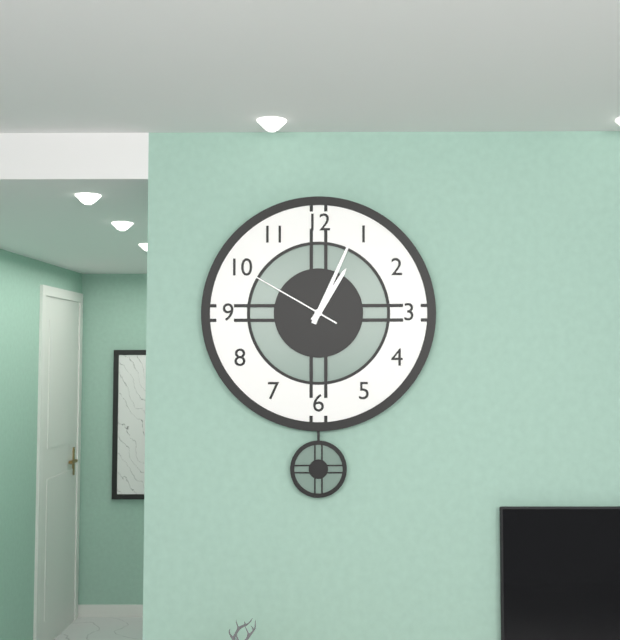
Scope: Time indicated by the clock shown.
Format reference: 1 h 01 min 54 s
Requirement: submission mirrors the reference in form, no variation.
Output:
1 h 04 min 50 s
